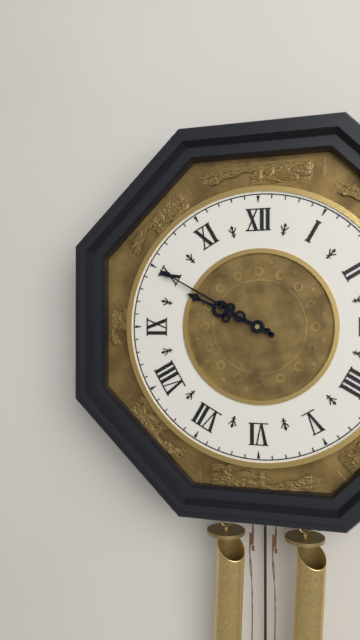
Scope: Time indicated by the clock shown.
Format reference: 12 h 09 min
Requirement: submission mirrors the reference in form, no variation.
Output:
9 h 50 min
